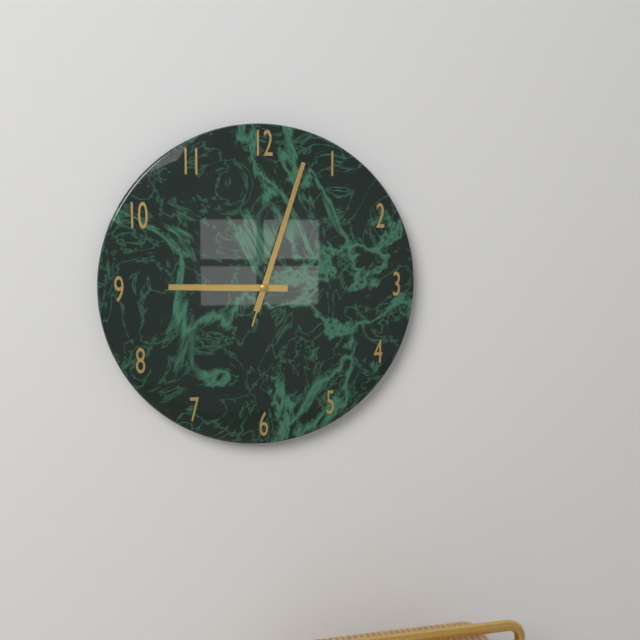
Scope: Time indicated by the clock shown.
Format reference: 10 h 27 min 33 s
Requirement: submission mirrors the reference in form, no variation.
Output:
9 h 03 min 03 s
